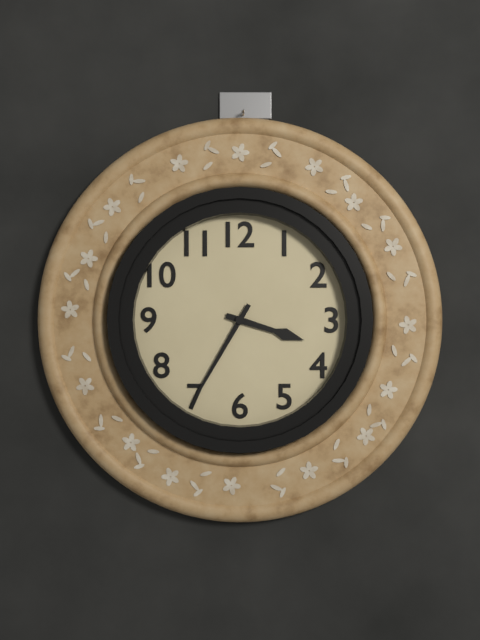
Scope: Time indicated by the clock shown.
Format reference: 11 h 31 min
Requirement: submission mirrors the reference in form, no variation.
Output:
3 h 35 min
